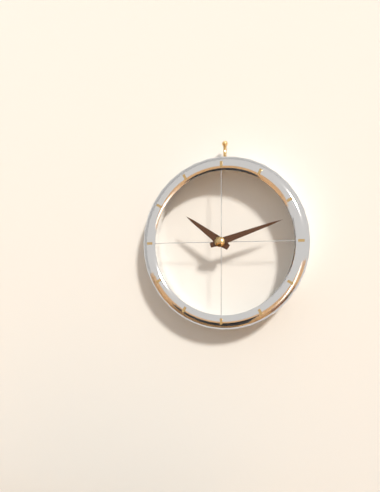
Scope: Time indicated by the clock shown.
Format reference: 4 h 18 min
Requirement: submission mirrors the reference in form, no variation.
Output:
10 h 12 min
